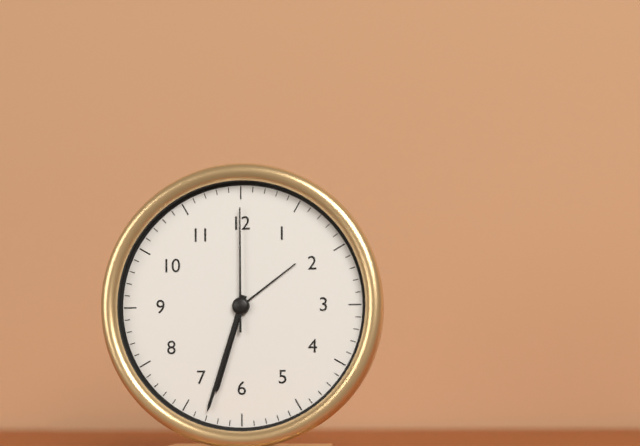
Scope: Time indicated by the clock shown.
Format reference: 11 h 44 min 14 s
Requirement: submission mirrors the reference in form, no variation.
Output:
6 h 33 min 00 s
